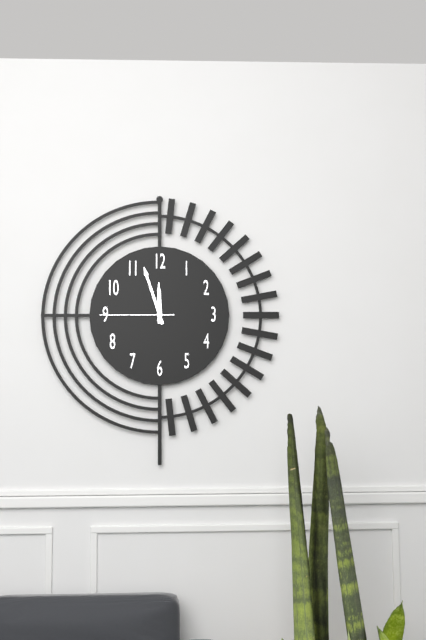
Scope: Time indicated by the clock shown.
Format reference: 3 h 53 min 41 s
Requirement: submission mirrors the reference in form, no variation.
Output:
11 h 57 min 45 s
